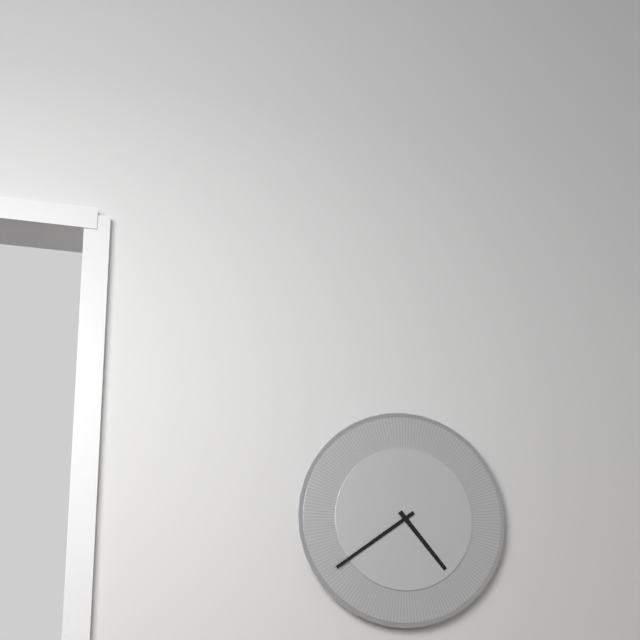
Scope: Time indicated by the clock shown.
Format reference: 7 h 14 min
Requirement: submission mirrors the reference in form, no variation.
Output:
4 h 39 min
